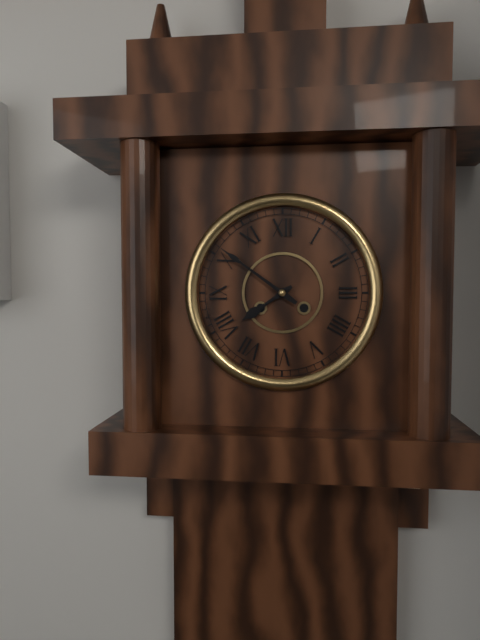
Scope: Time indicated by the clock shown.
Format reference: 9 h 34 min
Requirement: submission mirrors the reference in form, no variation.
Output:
7 h 51 min
